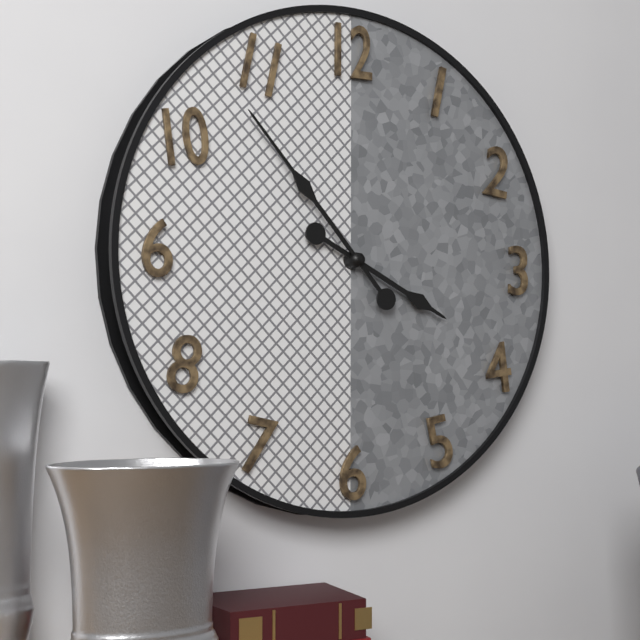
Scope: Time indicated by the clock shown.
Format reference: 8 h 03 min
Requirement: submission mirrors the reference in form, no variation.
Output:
3 h 53 min
